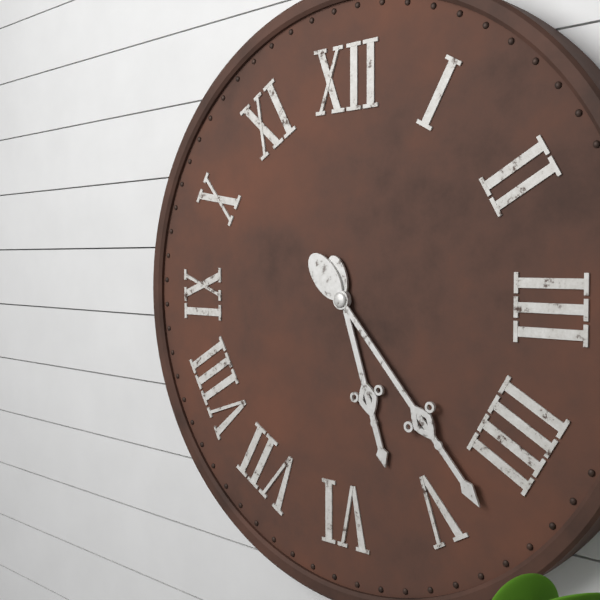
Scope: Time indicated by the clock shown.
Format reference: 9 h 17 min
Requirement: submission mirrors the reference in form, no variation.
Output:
5 h 23 min
